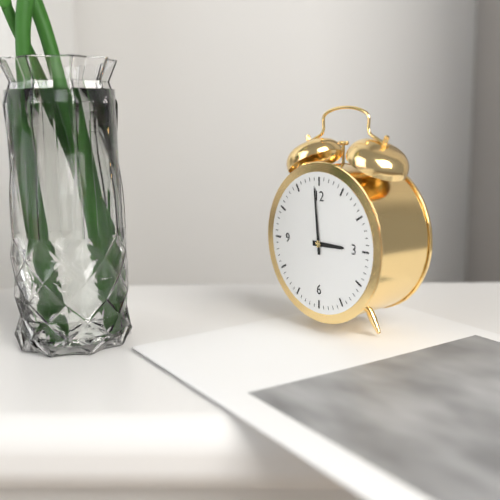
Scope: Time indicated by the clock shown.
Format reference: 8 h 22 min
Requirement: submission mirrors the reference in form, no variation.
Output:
2 h 59 min
